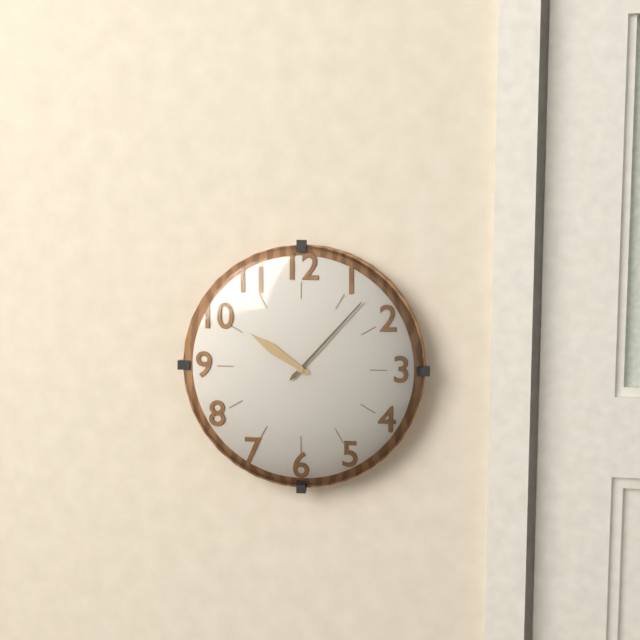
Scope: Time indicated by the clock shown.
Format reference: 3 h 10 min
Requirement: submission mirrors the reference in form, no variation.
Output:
10 h 07 min
